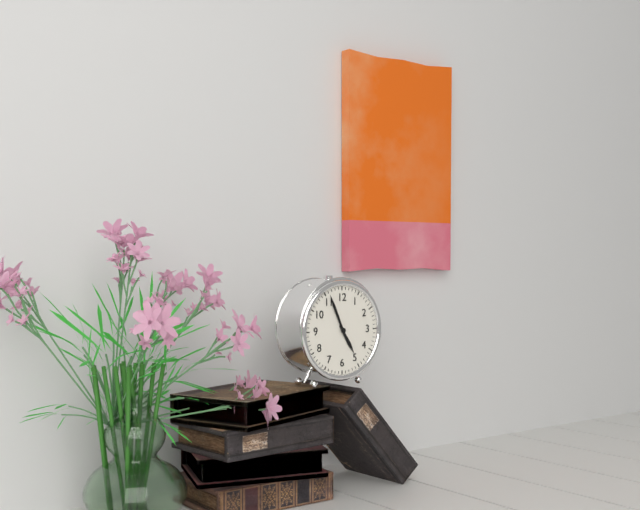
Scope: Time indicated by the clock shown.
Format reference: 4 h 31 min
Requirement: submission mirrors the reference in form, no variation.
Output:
4 h 56 min
